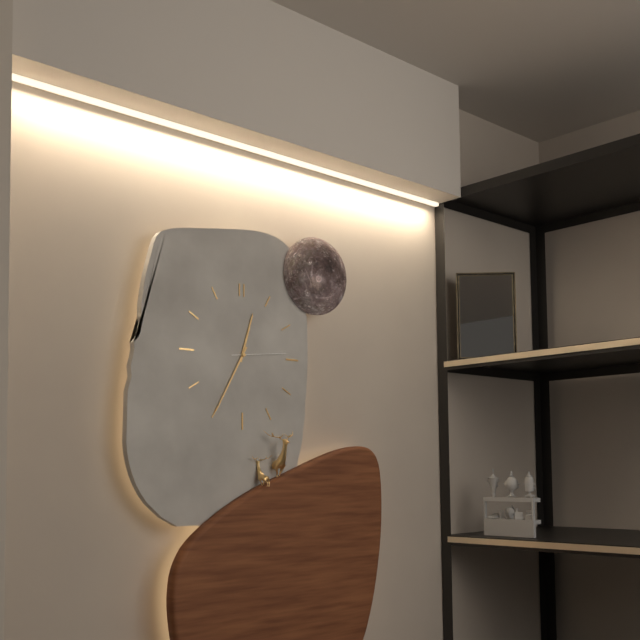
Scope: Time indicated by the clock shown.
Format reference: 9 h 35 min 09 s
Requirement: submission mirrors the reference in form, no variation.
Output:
12 h 35 min 14 s
